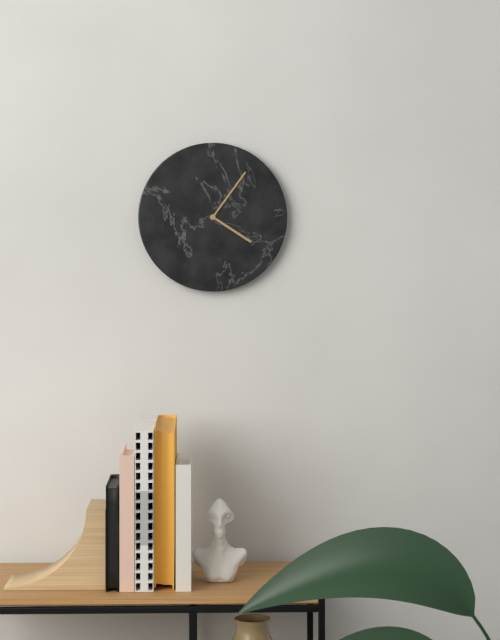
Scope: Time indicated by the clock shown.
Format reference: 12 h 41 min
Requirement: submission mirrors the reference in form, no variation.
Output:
4 h 06 min
